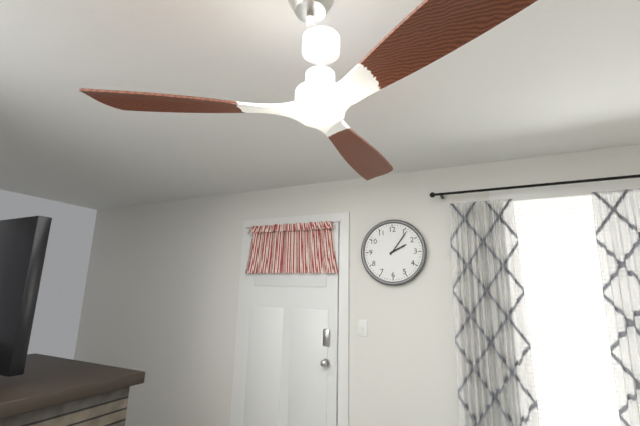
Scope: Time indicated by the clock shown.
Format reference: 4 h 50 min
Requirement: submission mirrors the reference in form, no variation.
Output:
2 h 06 min
